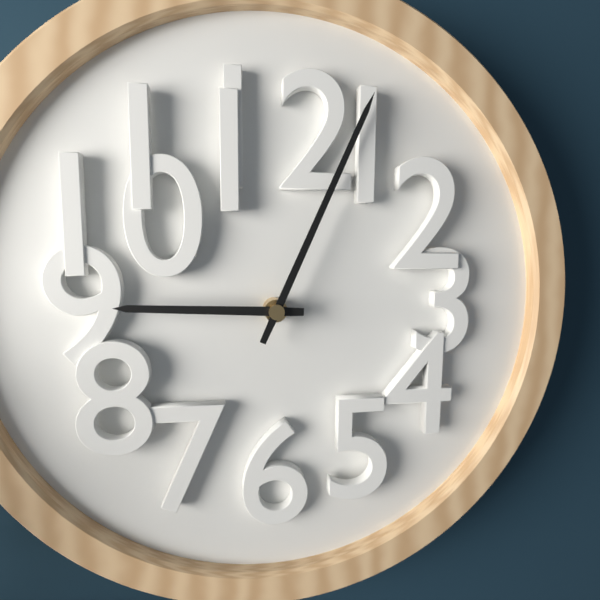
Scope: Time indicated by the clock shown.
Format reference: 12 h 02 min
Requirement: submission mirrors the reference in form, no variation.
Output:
9 h 04 min
